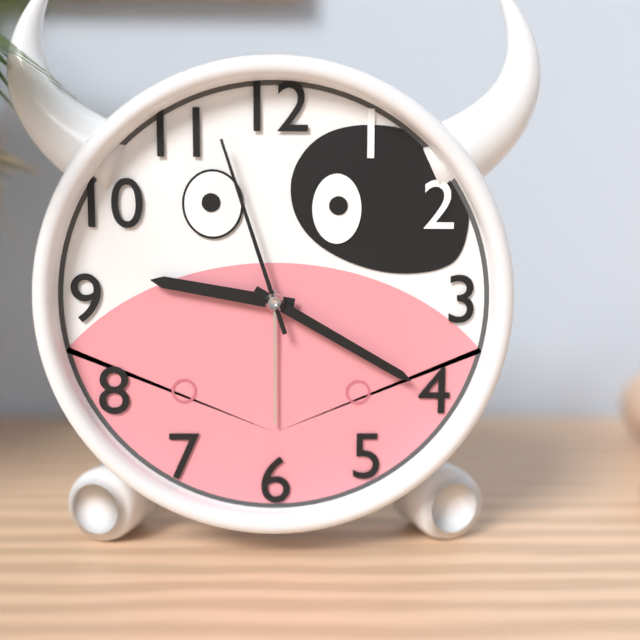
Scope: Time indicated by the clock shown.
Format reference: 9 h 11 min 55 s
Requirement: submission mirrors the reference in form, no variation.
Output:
9 h 20 min 57 s
